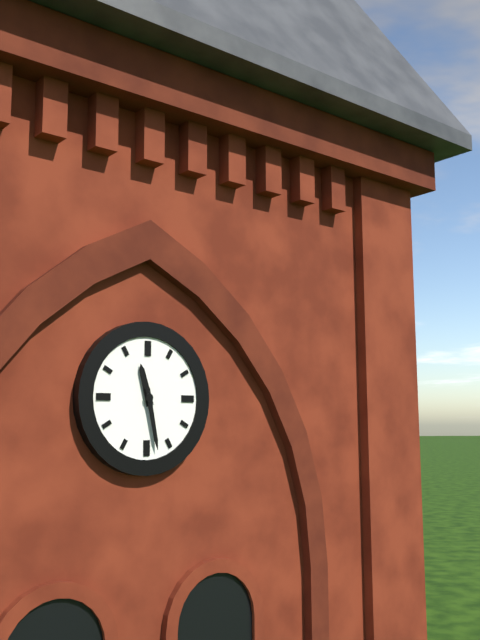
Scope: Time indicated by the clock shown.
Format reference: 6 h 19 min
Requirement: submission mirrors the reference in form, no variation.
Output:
11 h 28 min
